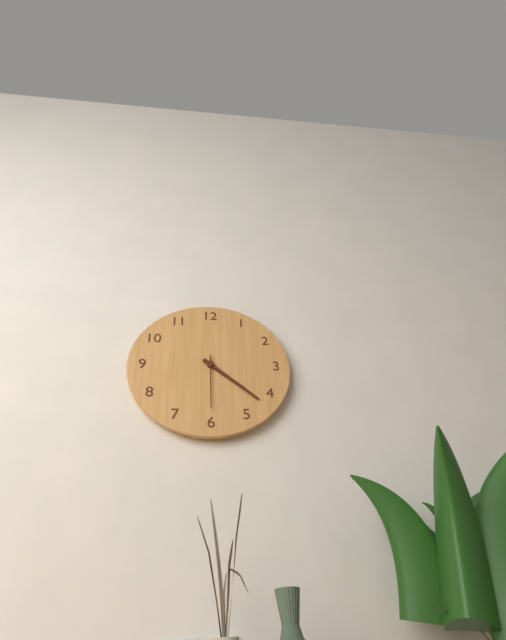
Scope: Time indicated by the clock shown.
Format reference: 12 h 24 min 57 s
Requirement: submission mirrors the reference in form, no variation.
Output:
4 h 22 min 30 s
